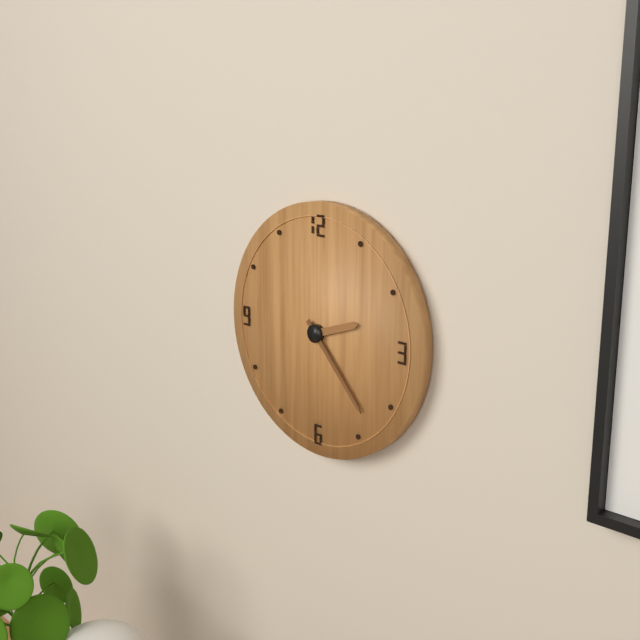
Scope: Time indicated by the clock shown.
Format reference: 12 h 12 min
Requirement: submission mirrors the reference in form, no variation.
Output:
2 h 23 min
